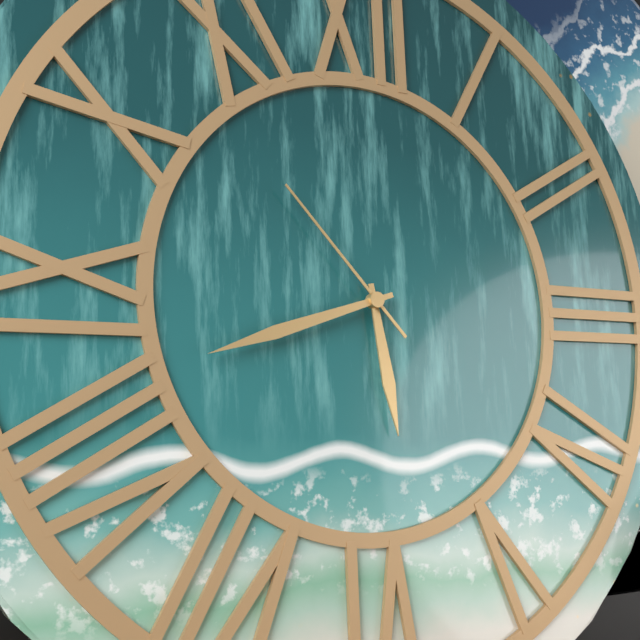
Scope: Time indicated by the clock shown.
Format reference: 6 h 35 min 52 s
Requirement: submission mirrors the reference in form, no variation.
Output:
5 h 42 min 53 s
